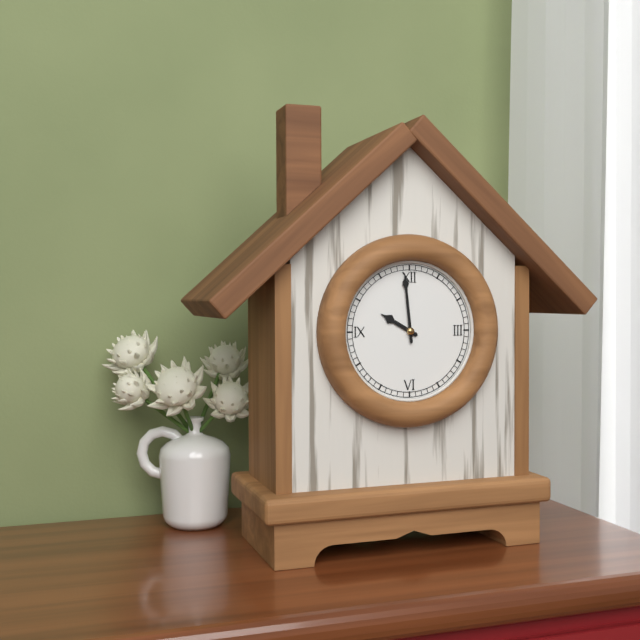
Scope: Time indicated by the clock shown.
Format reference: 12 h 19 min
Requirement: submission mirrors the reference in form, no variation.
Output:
9 h 59 min
